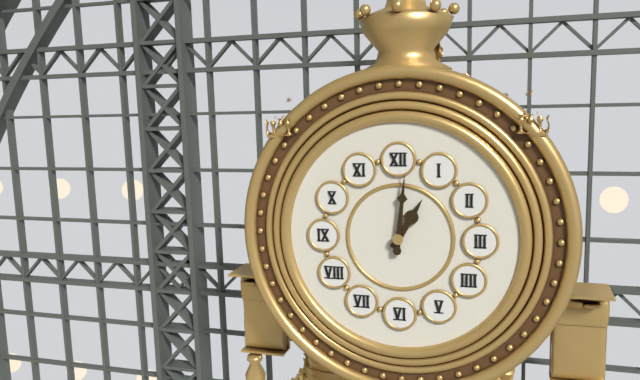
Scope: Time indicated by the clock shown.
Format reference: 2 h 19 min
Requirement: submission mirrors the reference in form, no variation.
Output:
1 h 01 min
